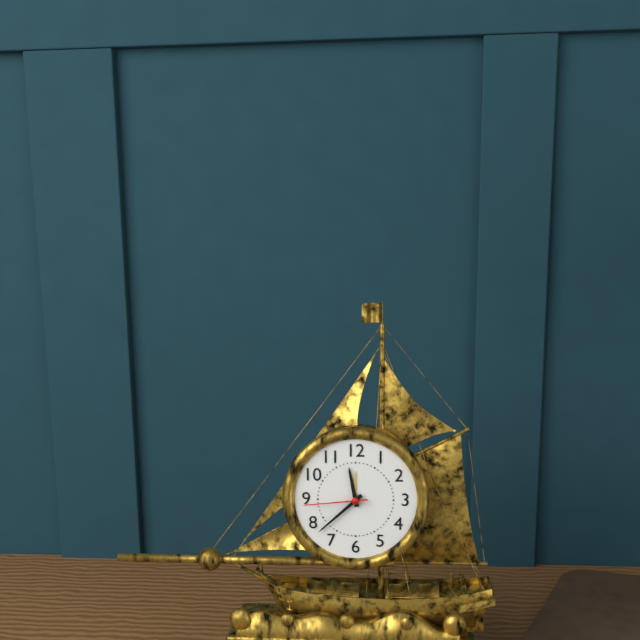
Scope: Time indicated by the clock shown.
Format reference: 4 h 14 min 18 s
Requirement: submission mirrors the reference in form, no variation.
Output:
11 h 38 min 44 s
